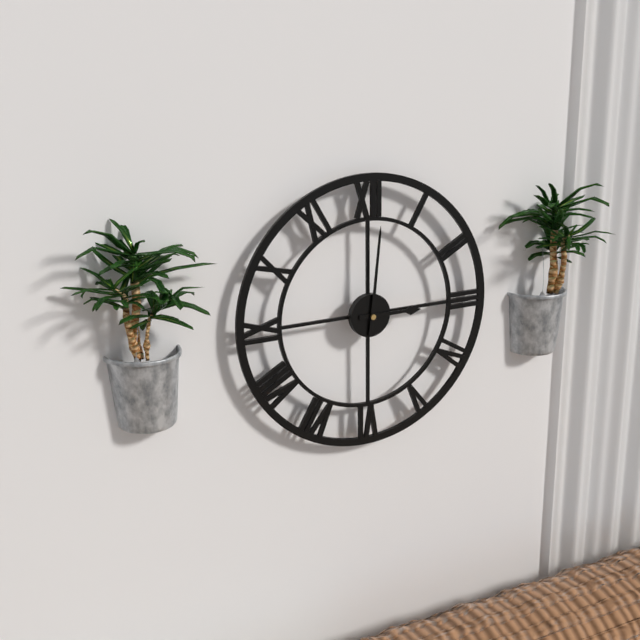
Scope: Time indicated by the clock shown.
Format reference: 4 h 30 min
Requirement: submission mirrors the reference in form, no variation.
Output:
3 h 01 min
